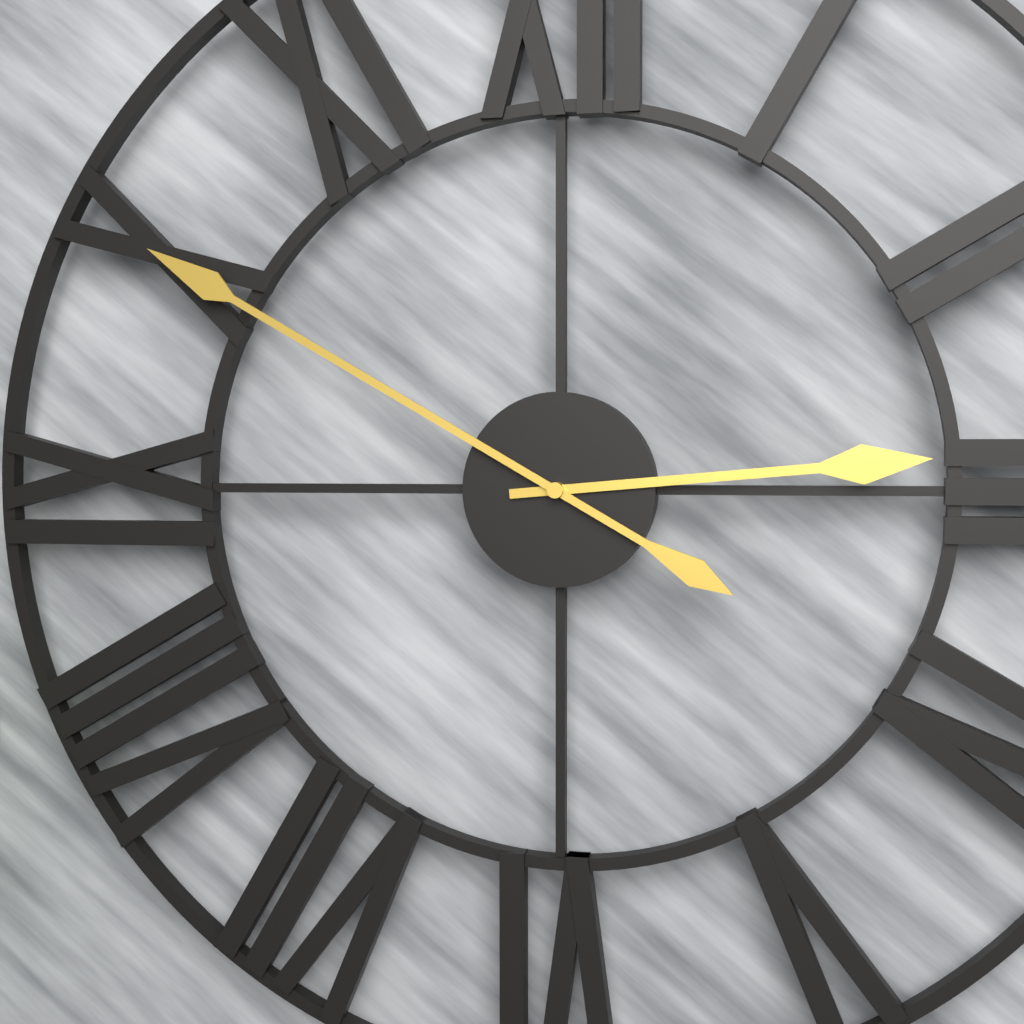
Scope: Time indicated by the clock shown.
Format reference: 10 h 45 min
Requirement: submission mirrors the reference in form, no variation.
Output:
2 h 50 min
